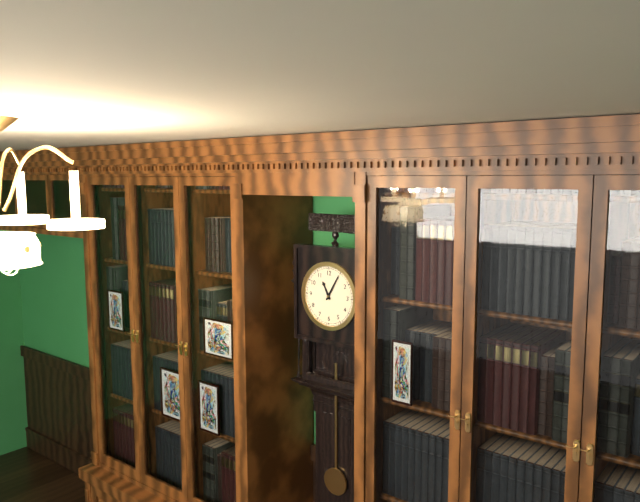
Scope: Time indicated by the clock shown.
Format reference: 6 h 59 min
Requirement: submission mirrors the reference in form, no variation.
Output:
11 h 05 min
